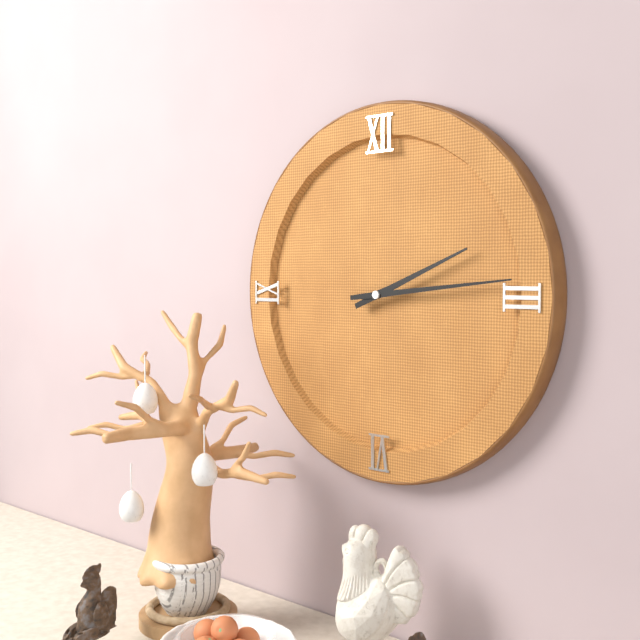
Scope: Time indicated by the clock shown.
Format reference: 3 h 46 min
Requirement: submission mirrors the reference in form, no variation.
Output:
2 h 14 min
